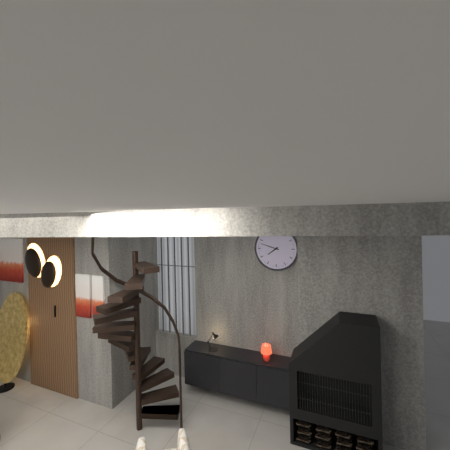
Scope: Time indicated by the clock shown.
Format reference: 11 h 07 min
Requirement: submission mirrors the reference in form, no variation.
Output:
7 h 48 min
